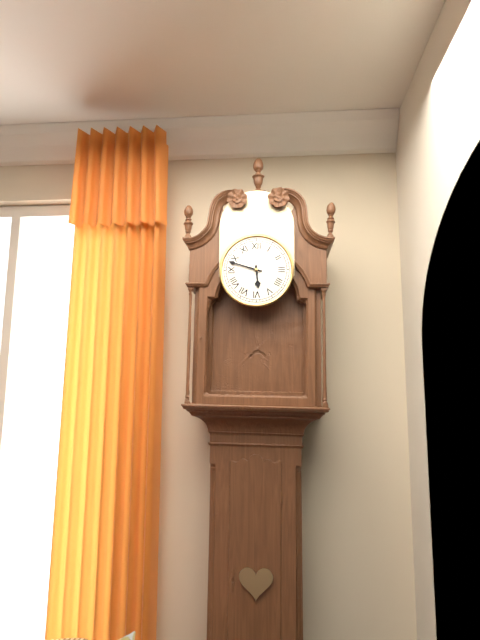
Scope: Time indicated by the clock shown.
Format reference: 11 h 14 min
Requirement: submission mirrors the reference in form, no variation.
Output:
5 h 48 min
